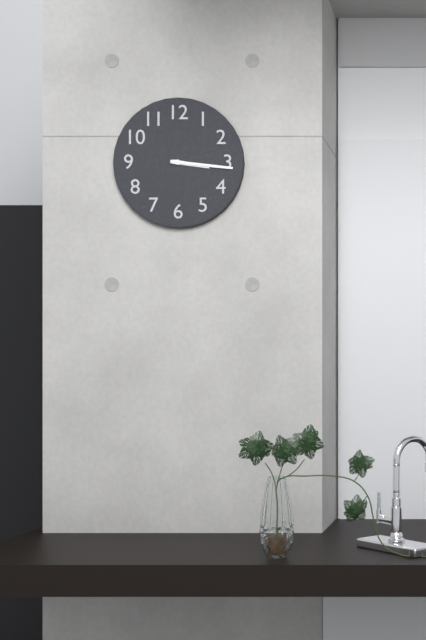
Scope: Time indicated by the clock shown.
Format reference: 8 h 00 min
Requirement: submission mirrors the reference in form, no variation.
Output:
3 h 16 min
